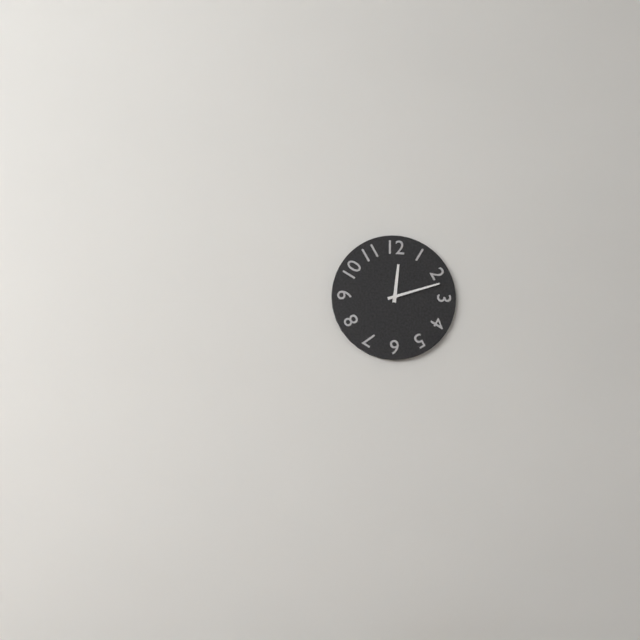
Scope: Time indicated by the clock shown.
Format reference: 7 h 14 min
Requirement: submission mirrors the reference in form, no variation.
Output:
12 h 12 min
